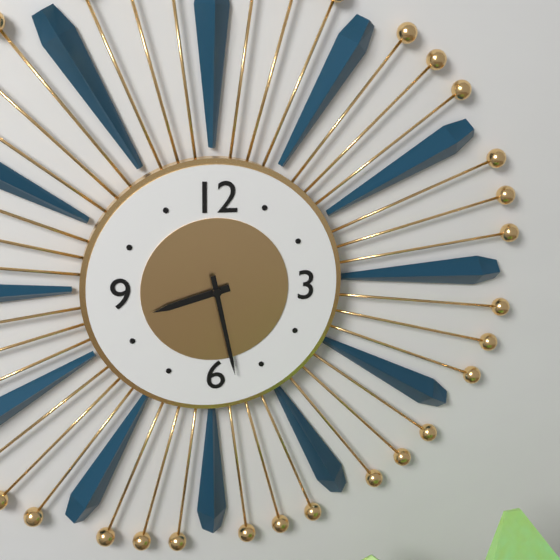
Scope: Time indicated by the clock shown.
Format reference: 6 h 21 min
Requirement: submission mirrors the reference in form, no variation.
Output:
8 h 28 min
